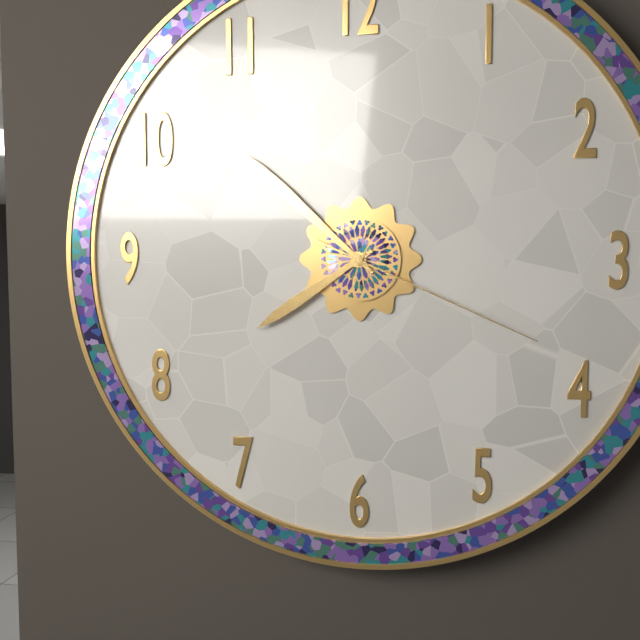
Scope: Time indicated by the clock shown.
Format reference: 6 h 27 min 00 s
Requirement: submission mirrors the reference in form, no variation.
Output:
7 h 52 min 19 s
